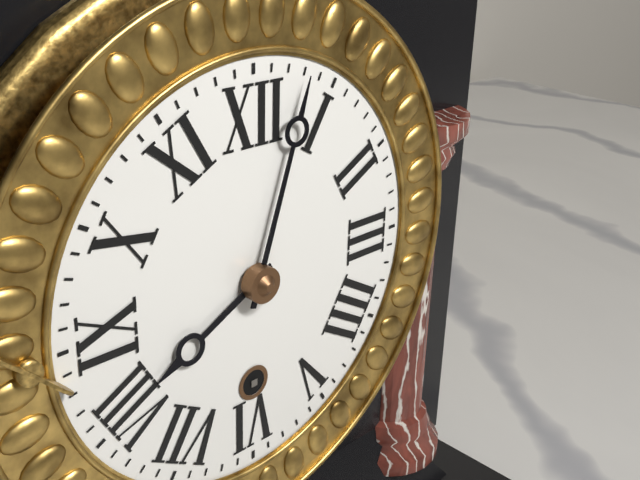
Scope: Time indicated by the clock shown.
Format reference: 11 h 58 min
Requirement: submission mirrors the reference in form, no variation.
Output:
8 h 03 min
